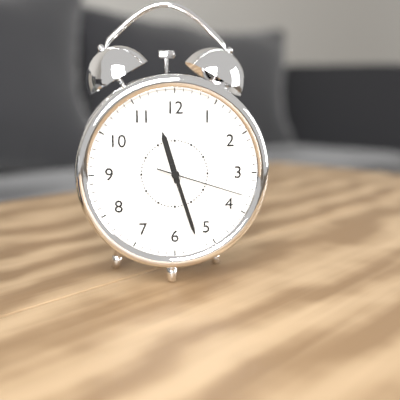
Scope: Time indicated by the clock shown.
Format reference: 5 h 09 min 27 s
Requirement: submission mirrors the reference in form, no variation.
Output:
11 h 27 min 18 s
